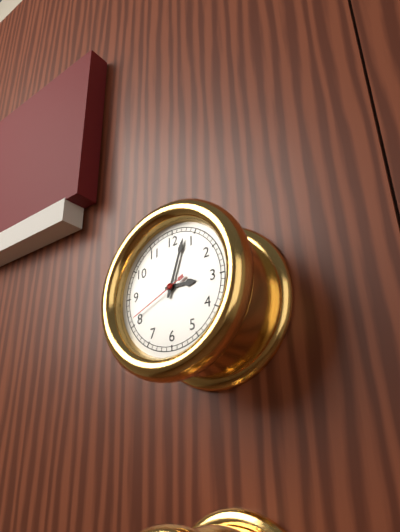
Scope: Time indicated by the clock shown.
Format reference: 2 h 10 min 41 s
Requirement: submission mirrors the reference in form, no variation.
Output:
3 h 03 min 41 s
